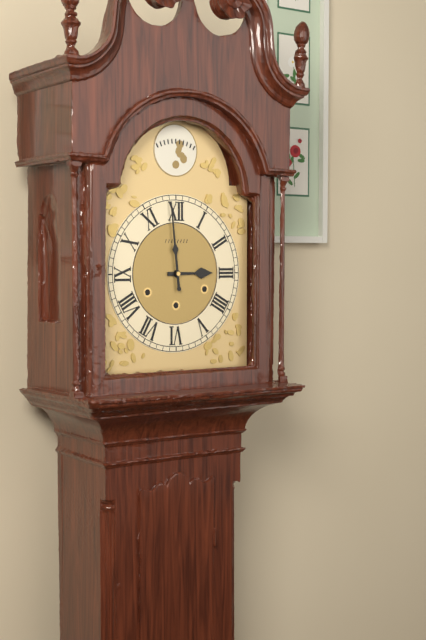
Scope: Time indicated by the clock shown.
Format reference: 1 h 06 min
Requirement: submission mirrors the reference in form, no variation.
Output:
2 h 59 min
